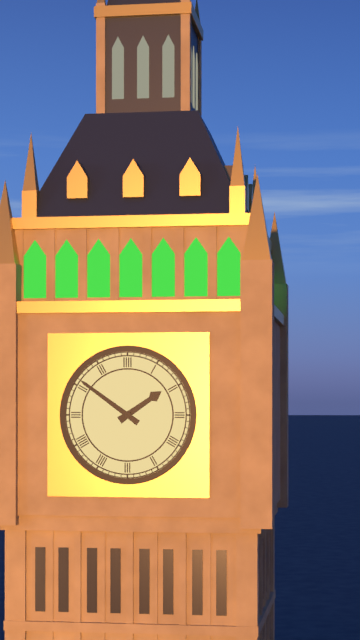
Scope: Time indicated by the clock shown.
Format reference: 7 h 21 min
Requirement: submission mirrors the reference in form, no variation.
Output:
1 h 51 min
